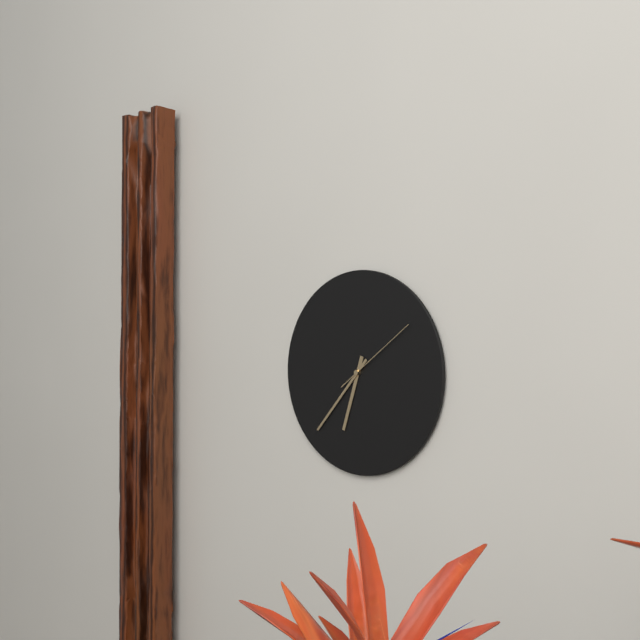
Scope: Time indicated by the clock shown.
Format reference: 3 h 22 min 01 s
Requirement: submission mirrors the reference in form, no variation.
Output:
6 h 37 min 09 s
